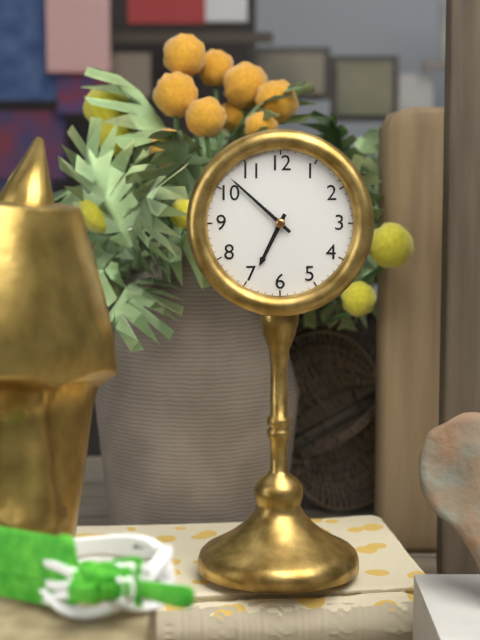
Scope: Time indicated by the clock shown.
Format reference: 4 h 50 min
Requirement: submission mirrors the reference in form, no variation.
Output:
6 h 52 min
